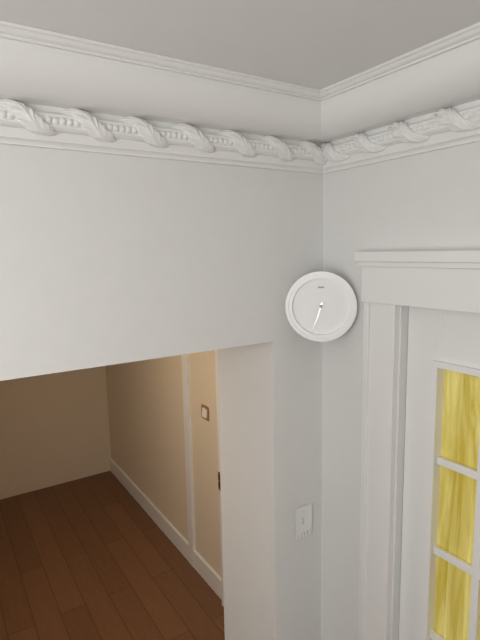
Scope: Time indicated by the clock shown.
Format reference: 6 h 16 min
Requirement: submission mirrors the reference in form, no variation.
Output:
6 h 33 min
